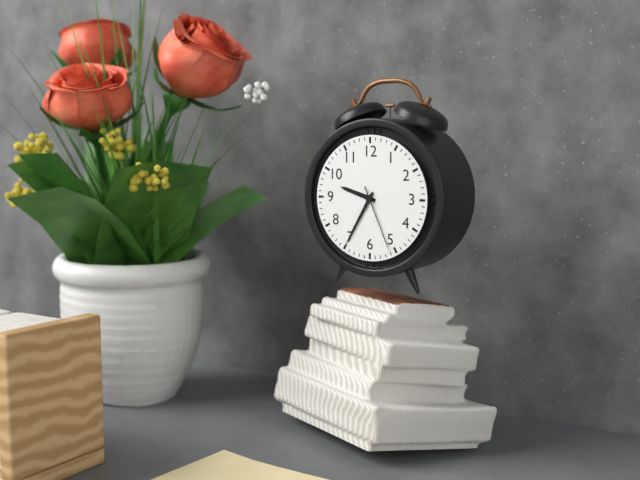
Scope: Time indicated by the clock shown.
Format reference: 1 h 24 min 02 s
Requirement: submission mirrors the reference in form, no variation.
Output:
9 h 35 min 26 s
